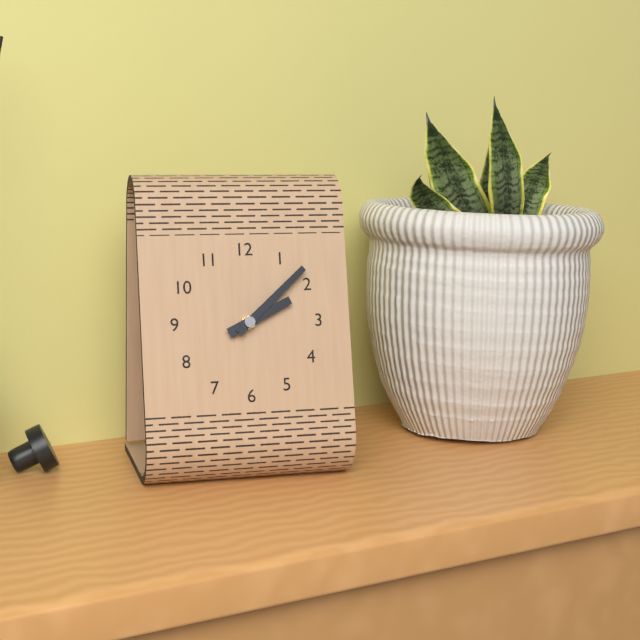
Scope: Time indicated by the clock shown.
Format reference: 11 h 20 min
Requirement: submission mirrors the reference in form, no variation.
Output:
2 h 08 min
